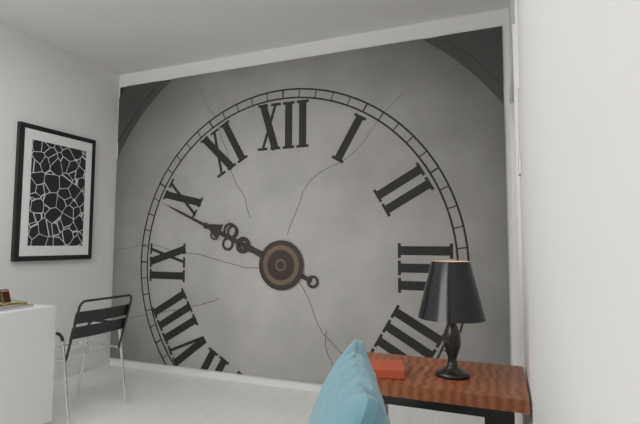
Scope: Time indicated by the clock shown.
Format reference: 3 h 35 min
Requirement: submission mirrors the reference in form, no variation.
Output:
9 h 49 min
